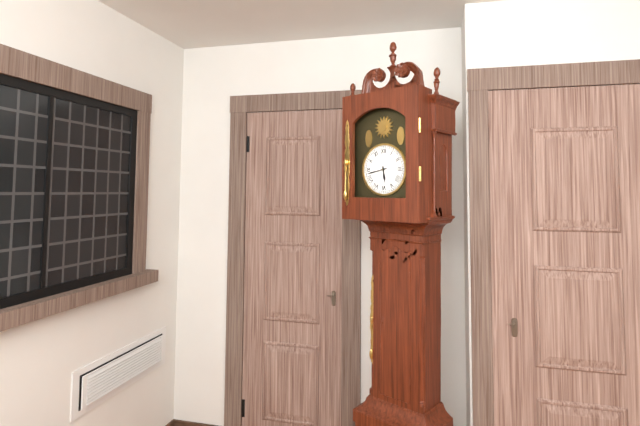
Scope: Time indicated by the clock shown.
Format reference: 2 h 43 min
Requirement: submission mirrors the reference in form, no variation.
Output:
5 h 43 min
